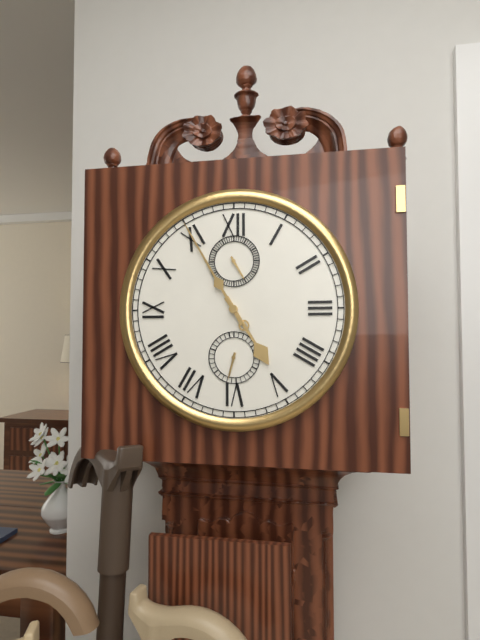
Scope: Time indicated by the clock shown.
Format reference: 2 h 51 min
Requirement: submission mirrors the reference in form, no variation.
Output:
4 h 55 min
